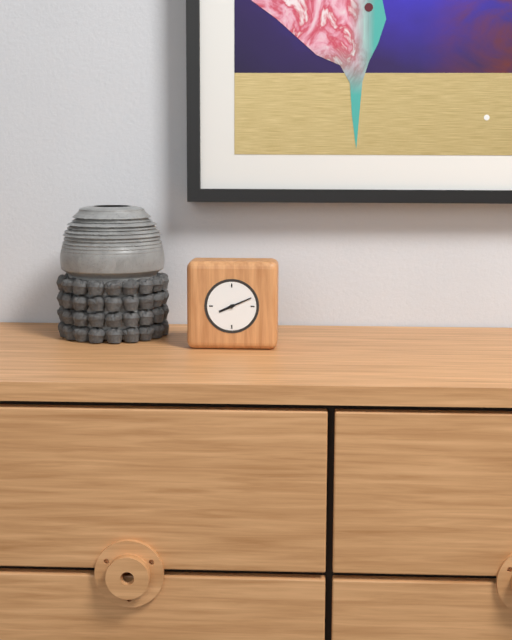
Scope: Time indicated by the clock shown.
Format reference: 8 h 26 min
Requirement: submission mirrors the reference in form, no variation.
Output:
8 h 11 min
